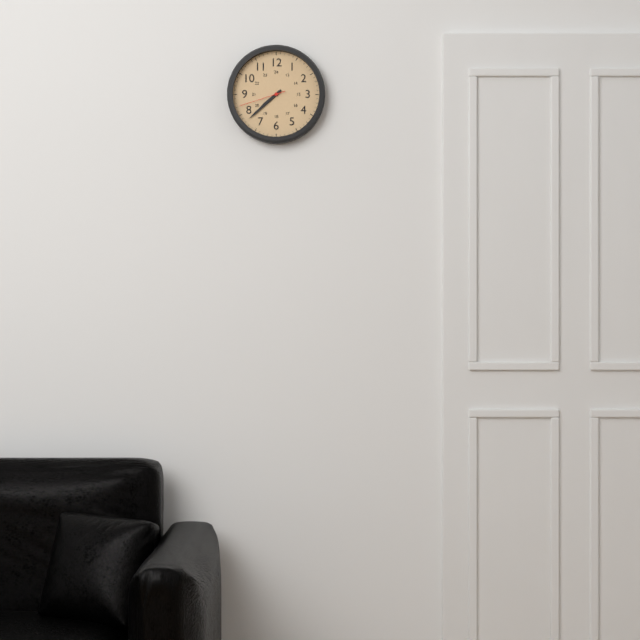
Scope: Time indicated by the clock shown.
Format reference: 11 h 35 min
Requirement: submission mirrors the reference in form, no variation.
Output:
7 h 38 min
